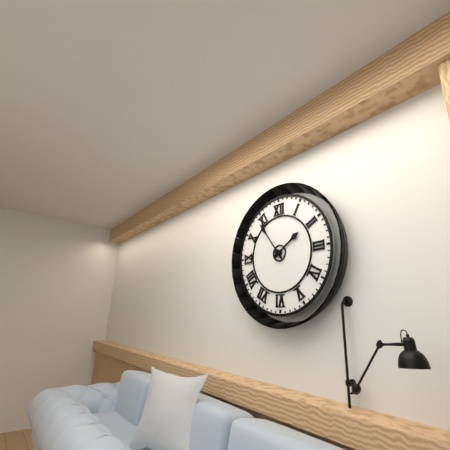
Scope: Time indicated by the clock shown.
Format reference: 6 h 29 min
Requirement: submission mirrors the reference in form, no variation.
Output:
1 h 54 min
